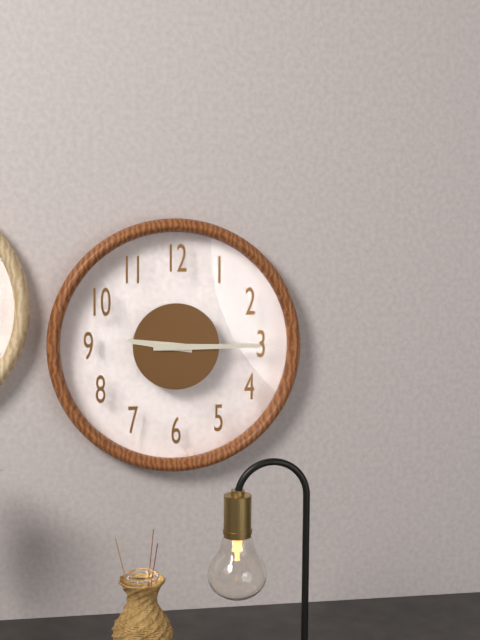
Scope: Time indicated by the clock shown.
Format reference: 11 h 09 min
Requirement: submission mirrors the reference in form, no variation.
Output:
9 h 15 min
